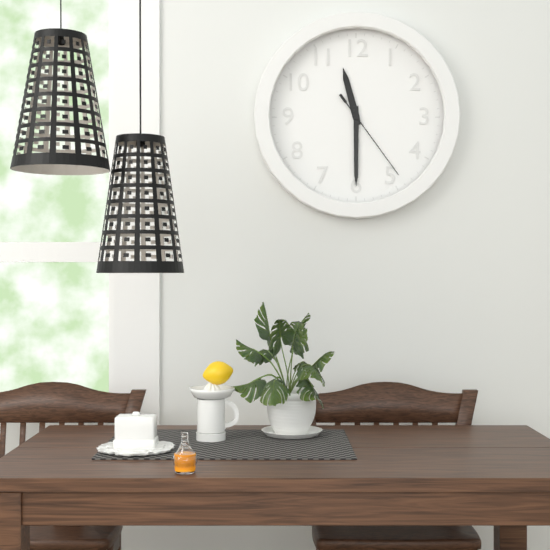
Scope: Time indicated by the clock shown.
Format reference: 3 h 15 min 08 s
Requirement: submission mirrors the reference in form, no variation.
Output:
11 h 30 min 24 s
